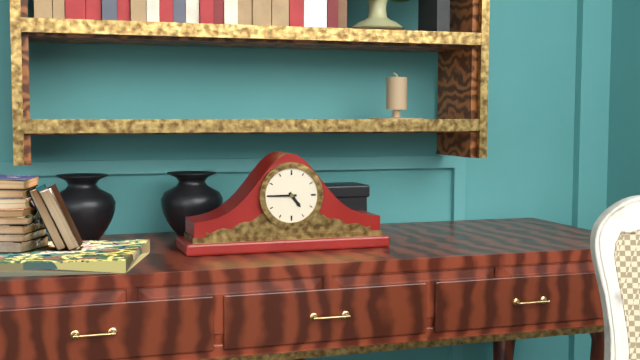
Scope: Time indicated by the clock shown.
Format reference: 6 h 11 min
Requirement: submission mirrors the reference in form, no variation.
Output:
4 h 45 min
